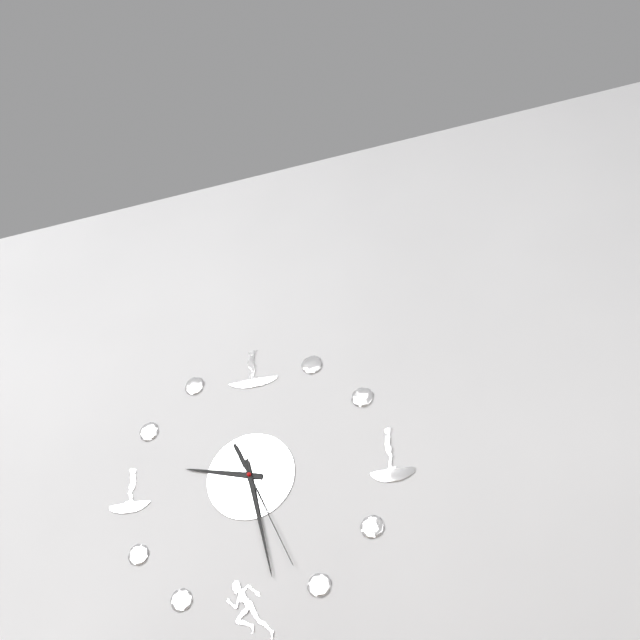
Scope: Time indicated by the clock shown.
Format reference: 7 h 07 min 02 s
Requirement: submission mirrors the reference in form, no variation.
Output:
9 h 28 min 26 s
